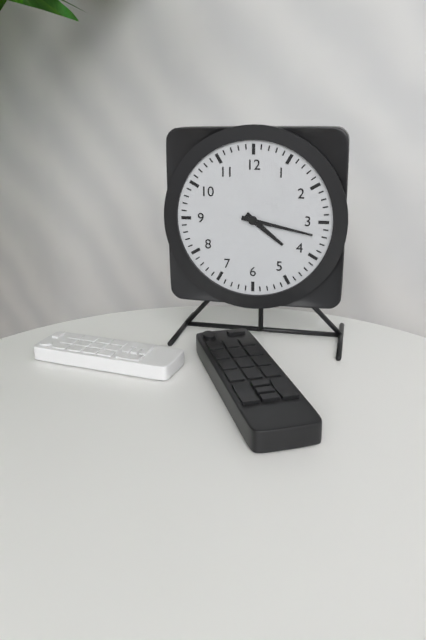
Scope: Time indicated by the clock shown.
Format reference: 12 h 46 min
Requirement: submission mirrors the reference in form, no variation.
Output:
4 h 17 min
